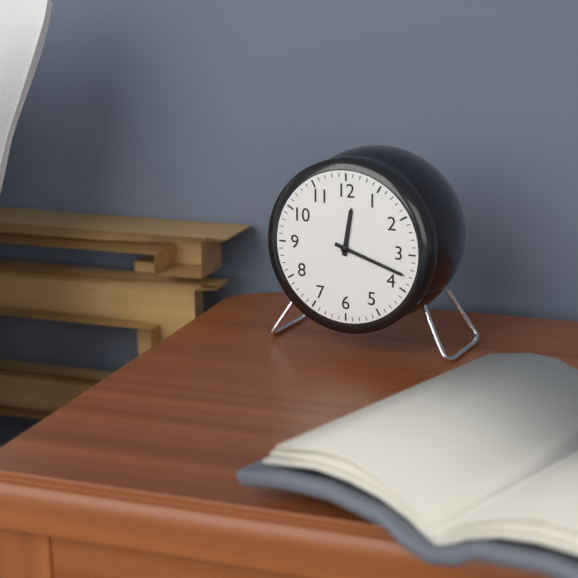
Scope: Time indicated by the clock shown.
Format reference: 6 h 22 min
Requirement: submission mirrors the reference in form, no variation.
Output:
12 h 18 min
